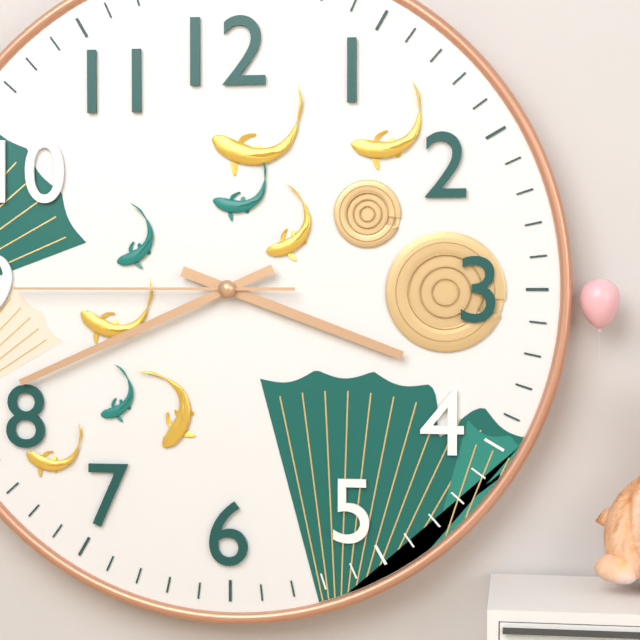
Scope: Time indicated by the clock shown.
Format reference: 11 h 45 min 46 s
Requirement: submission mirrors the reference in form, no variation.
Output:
3 h 41 min 45 s
